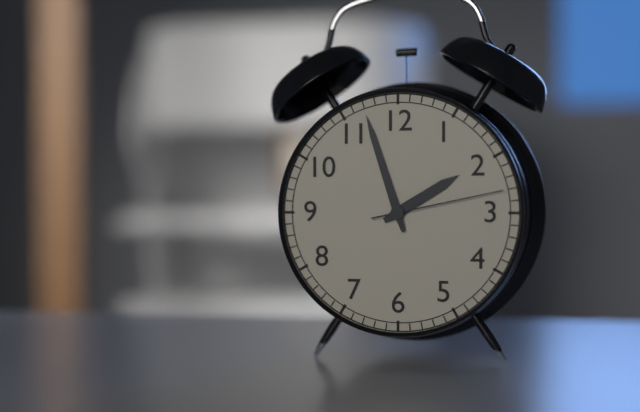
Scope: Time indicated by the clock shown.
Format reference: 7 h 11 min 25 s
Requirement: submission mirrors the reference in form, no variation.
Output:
1 h 57 min 13 s
